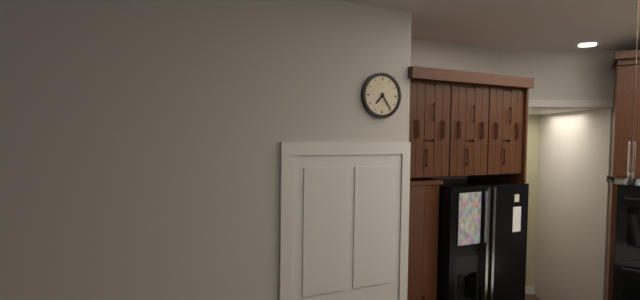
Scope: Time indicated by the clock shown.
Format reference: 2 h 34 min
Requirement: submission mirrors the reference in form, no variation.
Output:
7 h 24 min
